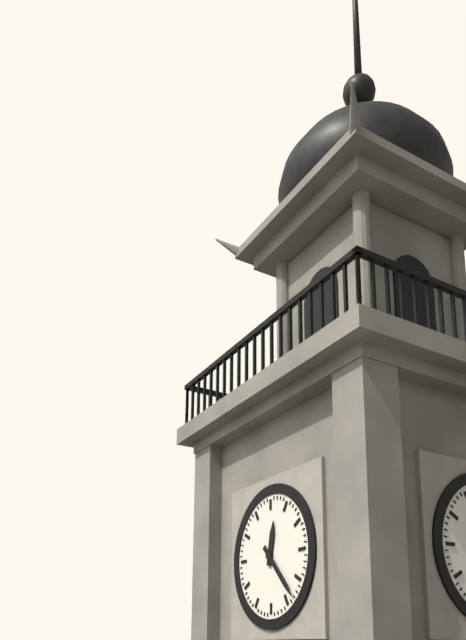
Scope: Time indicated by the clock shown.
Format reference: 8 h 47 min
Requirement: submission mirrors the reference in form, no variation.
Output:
12 h 23 min
